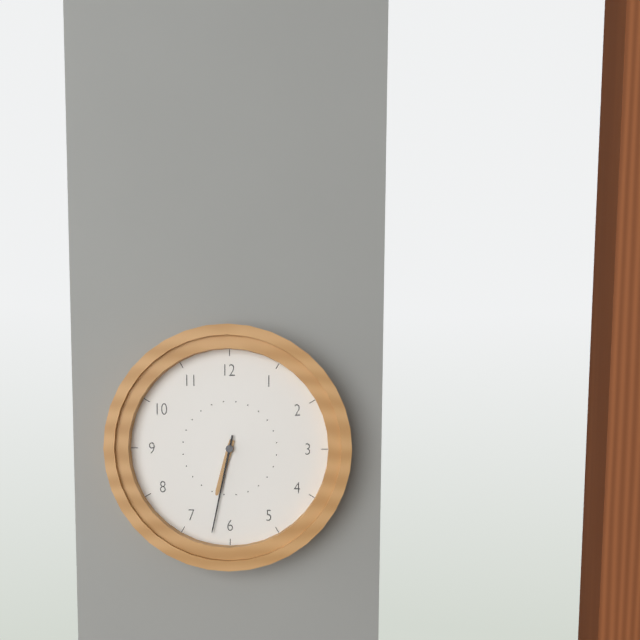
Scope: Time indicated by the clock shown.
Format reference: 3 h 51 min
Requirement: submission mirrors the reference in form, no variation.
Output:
6 h 32 min
